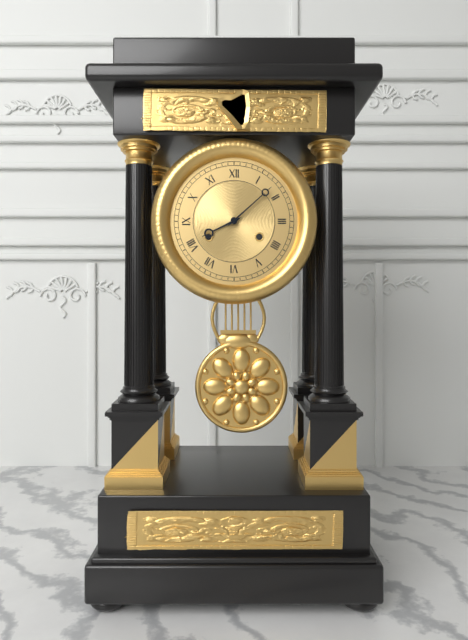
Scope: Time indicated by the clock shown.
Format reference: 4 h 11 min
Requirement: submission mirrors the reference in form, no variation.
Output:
8 h 08 min
